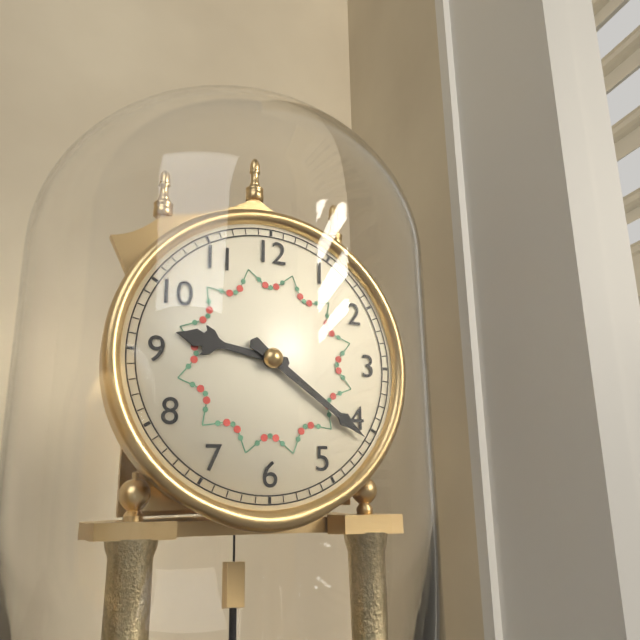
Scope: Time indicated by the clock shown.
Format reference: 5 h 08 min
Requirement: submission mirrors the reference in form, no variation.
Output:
9 h 21 min
